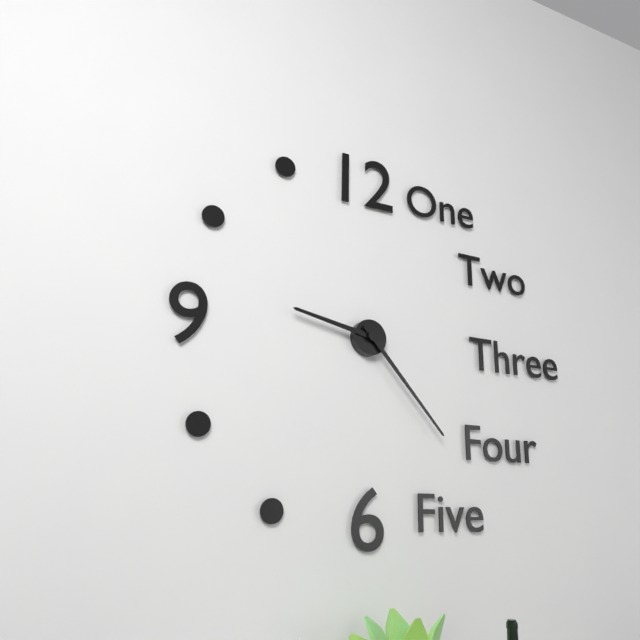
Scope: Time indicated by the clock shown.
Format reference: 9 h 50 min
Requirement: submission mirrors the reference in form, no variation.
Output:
9 h 23 min
